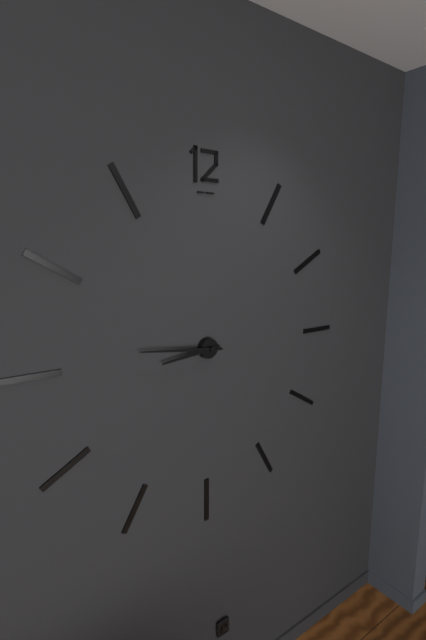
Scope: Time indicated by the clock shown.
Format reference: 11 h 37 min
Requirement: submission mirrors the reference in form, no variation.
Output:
8 h 46 min
